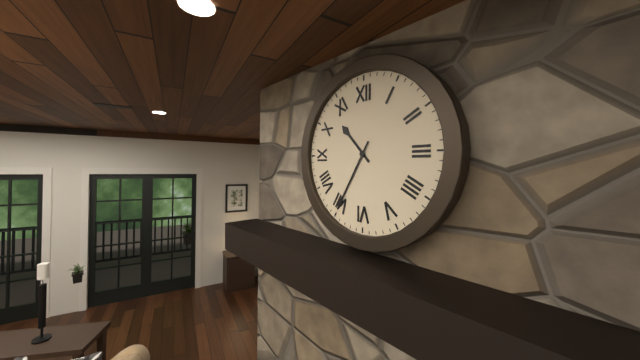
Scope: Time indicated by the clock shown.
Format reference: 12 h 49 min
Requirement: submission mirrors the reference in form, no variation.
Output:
10 h 35 min
